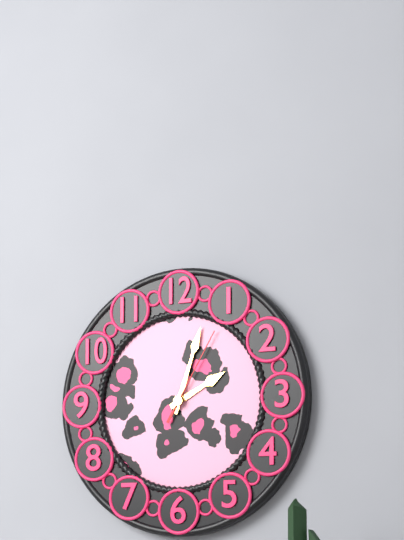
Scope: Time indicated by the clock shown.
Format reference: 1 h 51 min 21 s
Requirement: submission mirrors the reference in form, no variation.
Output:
2 h 03 min 05 s
